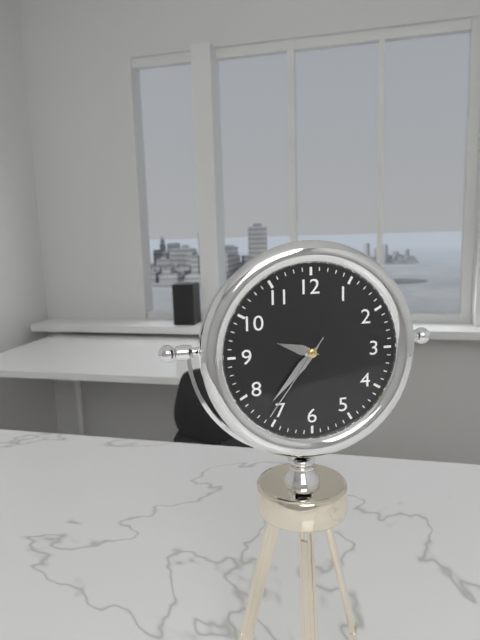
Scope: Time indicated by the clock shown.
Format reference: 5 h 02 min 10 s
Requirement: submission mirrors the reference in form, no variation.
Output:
9 h 37 min 36 s
